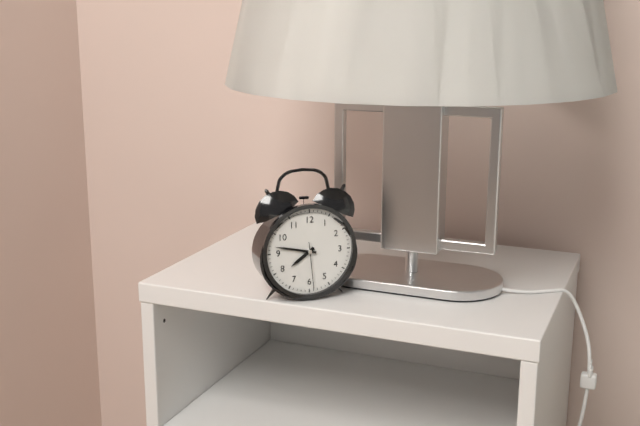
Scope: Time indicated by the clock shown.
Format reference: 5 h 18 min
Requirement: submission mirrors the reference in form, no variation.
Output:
7 h 47 min
